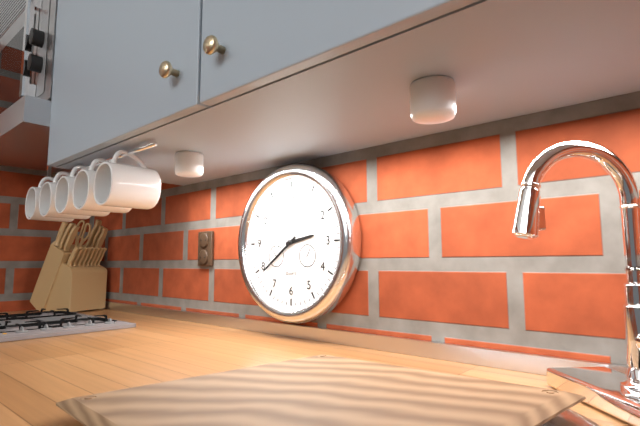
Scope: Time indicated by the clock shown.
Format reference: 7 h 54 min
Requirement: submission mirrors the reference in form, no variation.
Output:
2 h 39 min
